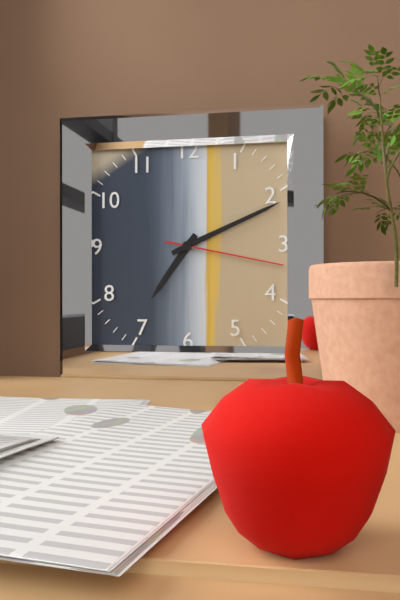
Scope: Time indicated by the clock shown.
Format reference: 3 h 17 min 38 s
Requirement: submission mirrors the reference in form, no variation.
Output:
7 h 11 min 17 s
